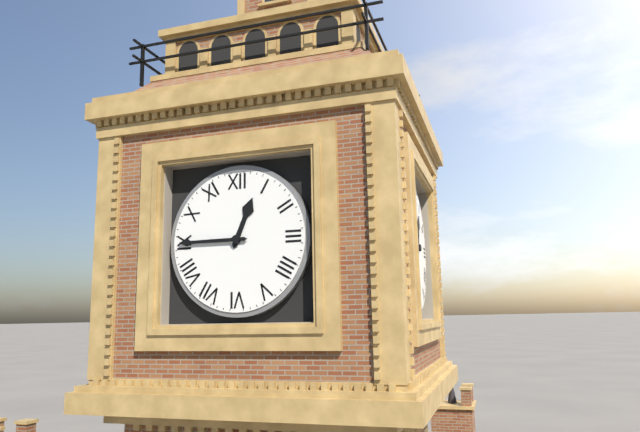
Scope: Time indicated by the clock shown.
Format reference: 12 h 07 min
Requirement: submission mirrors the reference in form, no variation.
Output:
12 h 45 min
